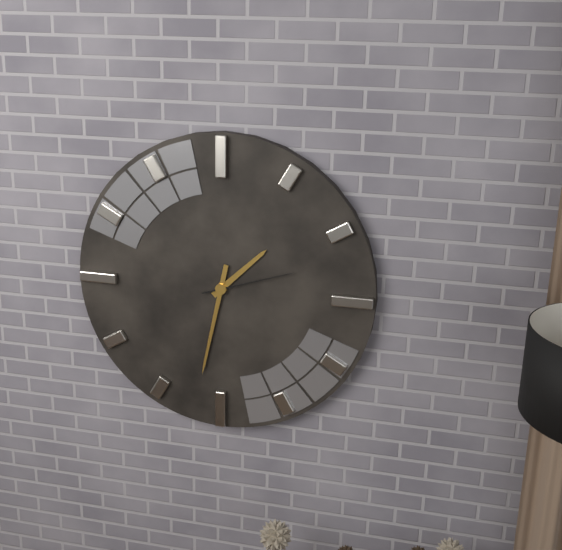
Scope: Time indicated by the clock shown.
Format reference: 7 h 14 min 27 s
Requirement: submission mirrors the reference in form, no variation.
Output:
1 h 32 min 12 s
